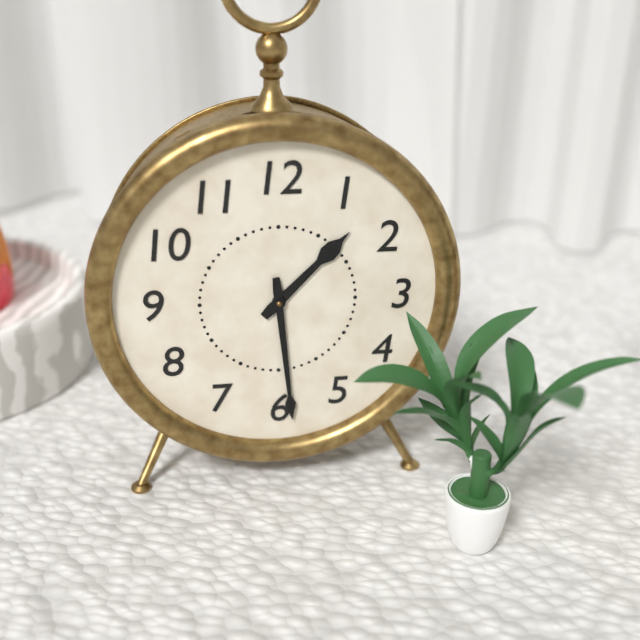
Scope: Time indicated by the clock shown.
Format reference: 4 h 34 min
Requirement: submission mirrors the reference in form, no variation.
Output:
1 h 29 min
